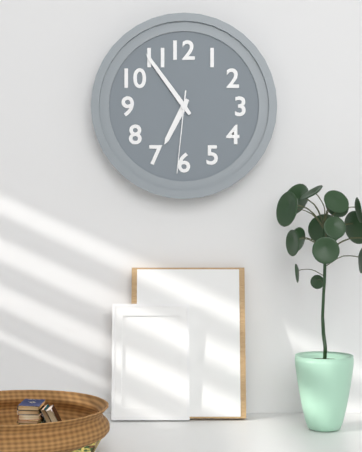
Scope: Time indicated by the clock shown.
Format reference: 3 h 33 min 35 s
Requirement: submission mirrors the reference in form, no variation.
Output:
6 h 54 min 31 s
